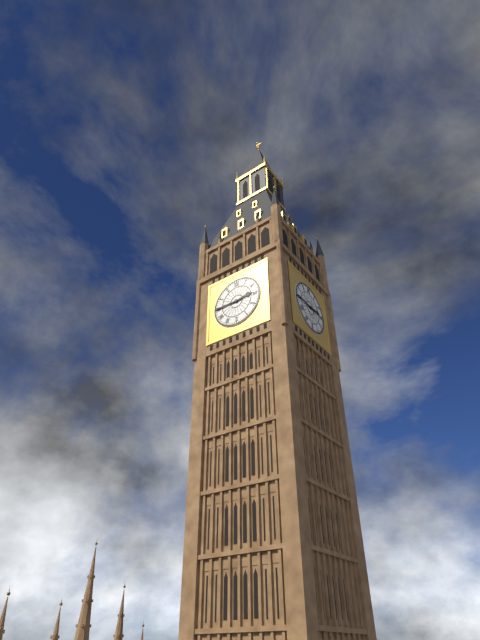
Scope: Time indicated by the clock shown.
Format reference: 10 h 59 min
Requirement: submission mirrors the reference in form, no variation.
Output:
2 h 45 min
